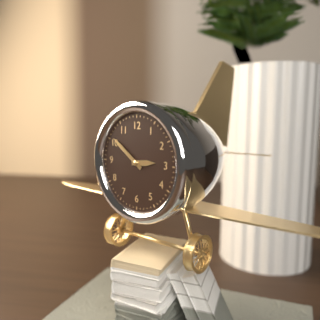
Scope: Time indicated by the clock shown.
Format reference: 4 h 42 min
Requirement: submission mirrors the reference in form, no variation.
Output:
2 h 51 min
